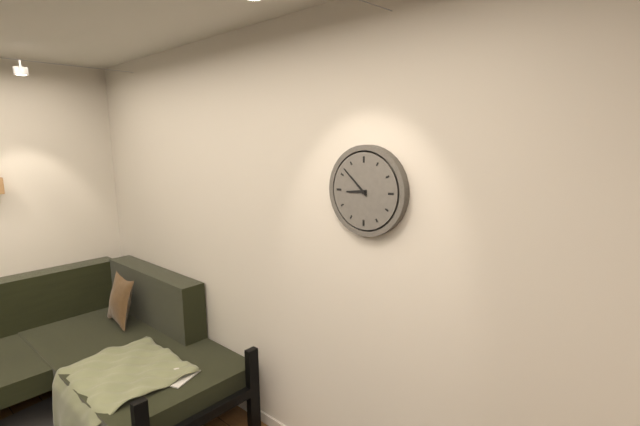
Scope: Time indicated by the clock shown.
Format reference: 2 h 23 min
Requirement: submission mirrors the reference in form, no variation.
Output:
8 h 52 min
